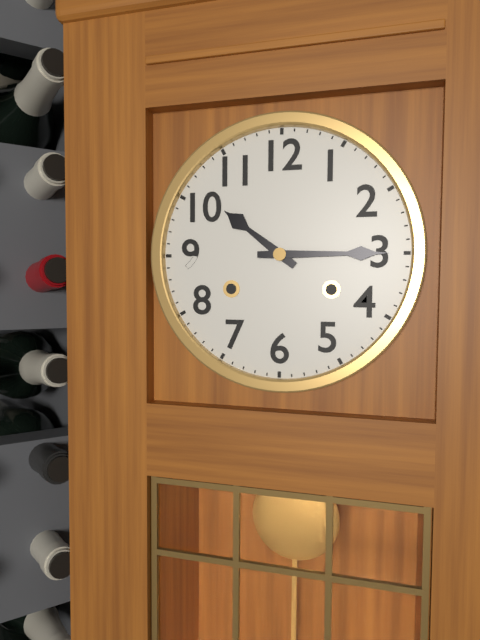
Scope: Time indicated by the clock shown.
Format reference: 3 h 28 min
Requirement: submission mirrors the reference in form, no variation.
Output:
10 h 15 min
